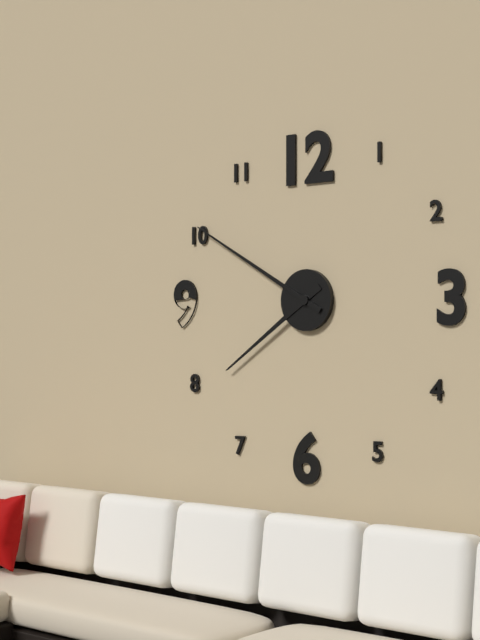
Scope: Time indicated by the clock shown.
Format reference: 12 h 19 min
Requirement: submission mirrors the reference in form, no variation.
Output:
7 h 50 min
